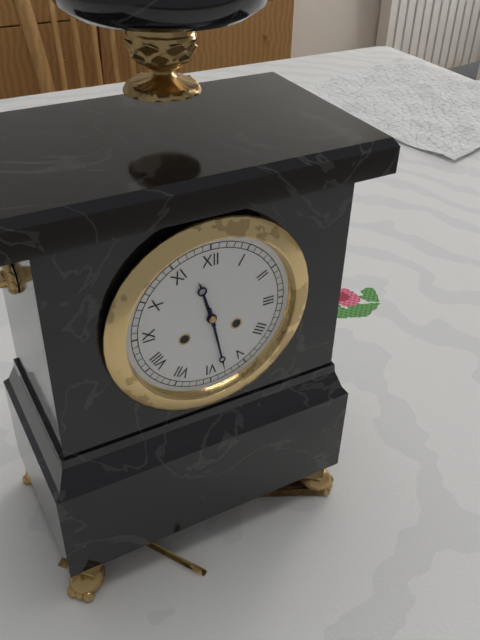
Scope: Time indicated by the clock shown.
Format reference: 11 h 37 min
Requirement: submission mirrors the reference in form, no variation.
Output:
11 h 28 min
